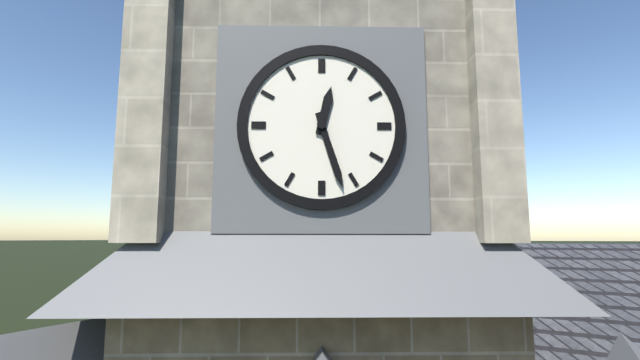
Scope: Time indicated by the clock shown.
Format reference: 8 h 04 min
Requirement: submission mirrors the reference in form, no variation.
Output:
12 h 27 min
